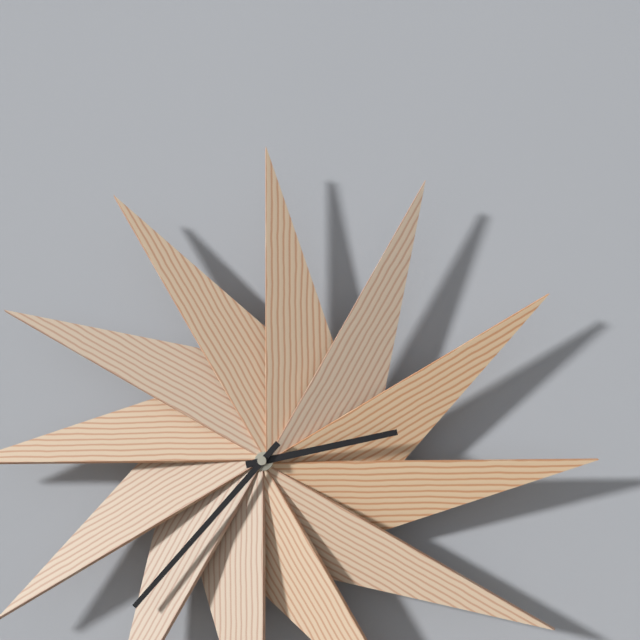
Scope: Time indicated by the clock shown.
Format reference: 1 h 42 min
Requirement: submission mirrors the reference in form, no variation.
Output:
2 h 37 min
